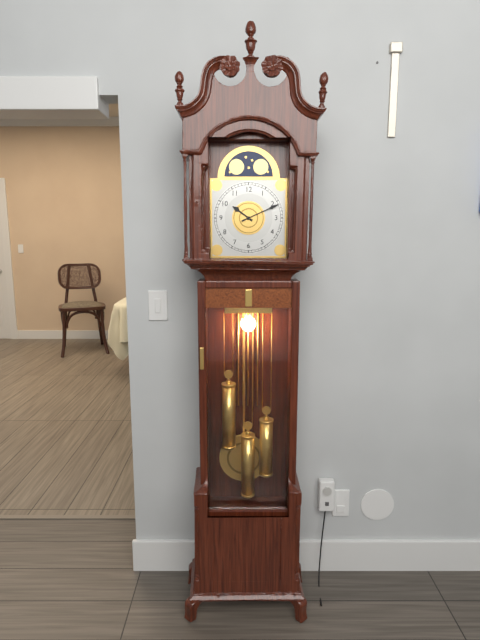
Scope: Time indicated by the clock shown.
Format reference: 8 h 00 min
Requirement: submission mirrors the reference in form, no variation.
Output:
10 h 11 min
